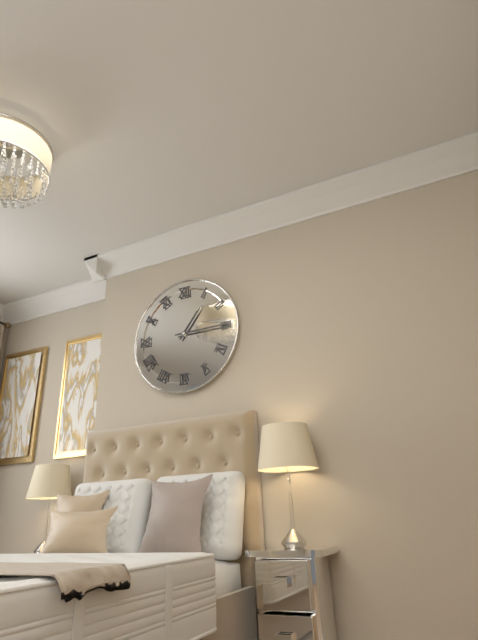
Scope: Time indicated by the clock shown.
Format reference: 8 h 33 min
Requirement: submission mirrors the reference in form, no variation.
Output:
1 h 15 min
